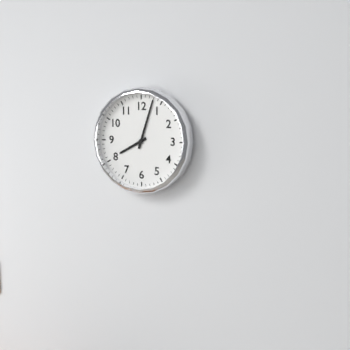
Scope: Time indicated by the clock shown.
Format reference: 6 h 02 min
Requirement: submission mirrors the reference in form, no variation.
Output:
8 h 03 min
